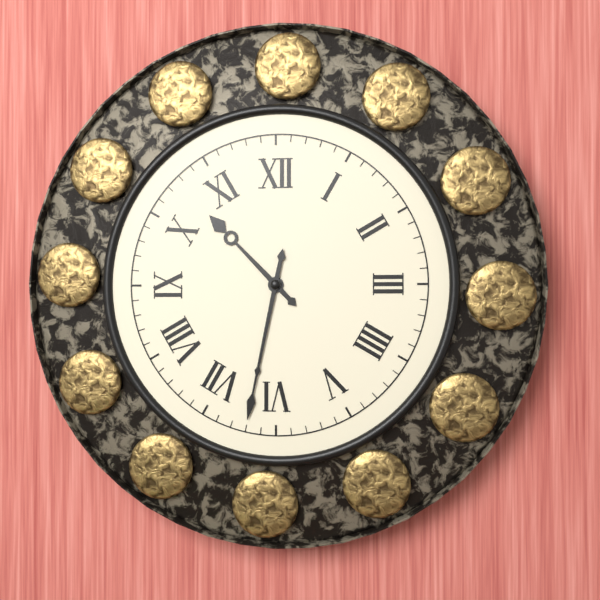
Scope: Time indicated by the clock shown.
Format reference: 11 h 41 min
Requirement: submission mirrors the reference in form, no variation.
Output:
10 h 32 min
